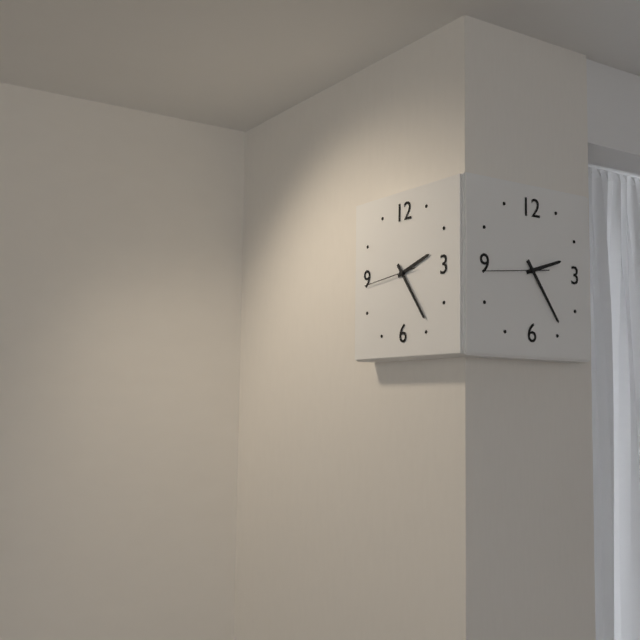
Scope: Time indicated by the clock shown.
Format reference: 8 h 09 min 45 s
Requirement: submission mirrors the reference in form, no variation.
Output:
2 h 24 min 44 s
